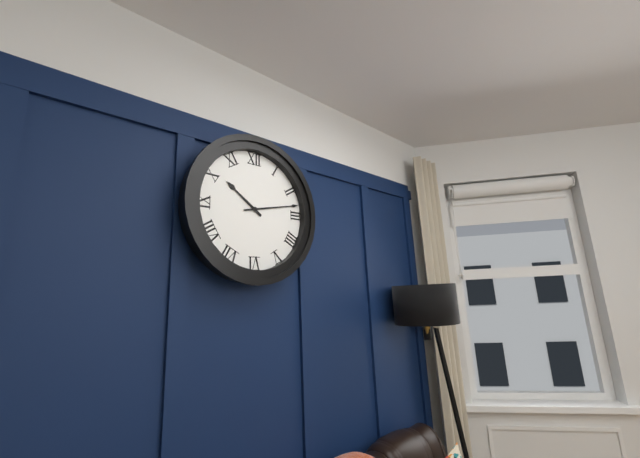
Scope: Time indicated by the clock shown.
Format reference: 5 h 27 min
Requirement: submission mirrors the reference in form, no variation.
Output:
10 h 13 min
